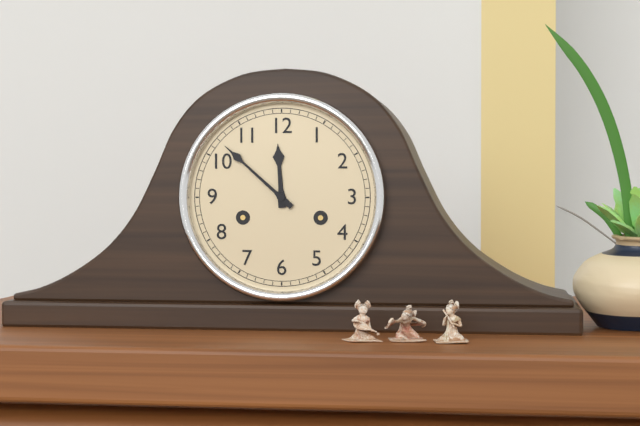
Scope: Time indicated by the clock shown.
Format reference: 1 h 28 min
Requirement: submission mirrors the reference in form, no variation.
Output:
11 h 52 min
